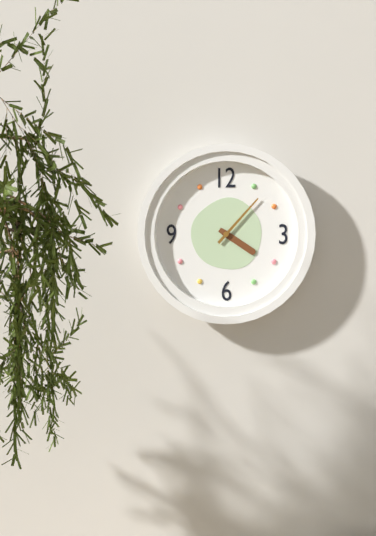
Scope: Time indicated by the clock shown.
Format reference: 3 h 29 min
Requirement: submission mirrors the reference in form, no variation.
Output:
4 h 07 min
